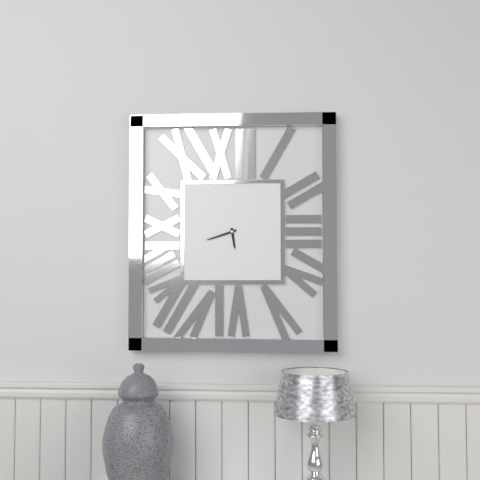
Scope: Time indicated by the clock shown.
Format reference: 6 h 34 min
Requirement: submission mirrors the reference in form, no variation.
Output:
5 h 42 min
